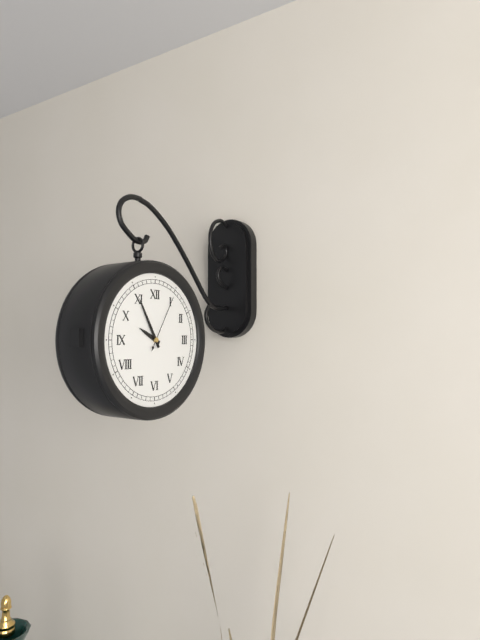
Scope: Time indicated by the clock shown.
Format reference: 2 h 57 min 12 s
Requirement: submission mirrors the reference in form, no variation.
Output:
9 h 55 min 05 s
